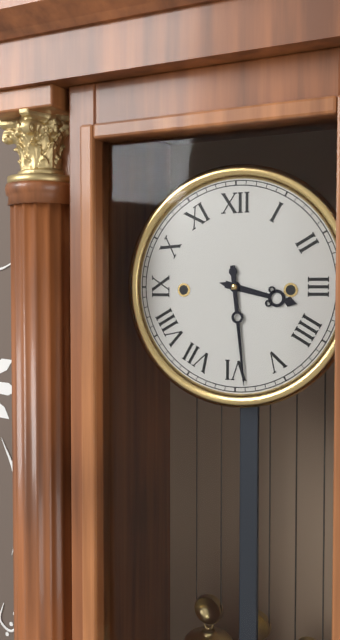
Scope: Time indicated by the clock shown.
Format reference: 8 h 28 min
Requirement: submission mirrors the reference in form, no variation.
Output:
3 h 29 min
